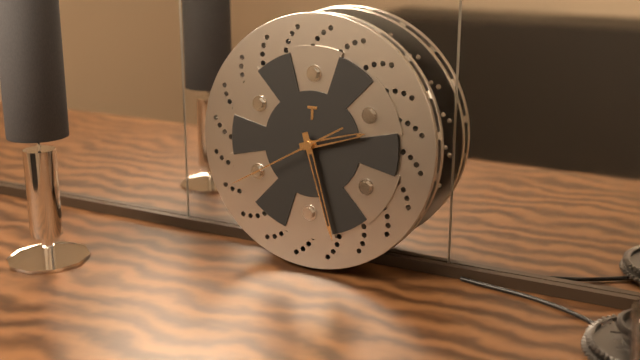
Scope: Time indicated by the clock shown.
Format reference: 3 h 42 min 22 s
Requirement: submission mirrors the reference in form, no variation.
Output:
2 h 27 min 40 s
